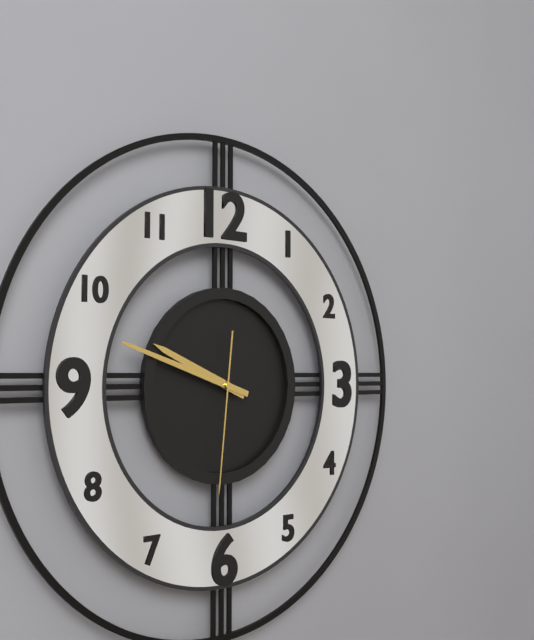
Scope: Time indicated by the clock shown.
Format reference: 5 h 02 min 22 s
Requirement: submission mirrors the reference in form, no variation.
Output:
9 h 48 min 31 s
